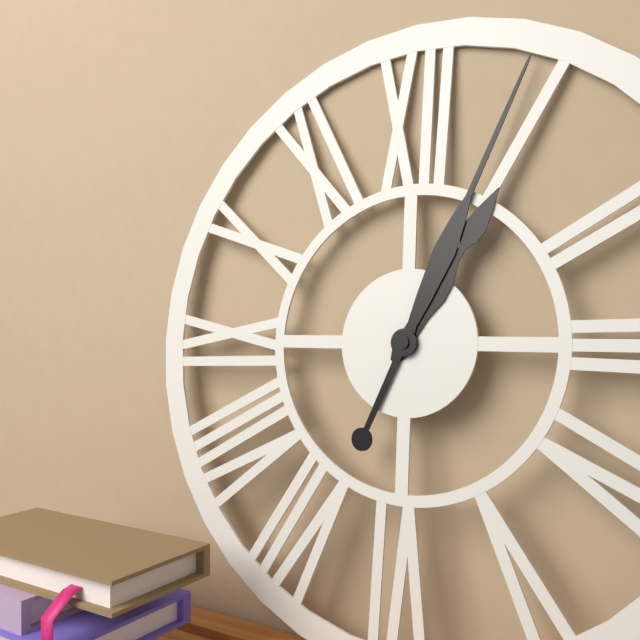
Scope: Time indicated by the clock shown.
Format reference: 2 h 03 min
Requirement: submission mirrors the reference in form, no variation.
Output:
1 h 04 min
